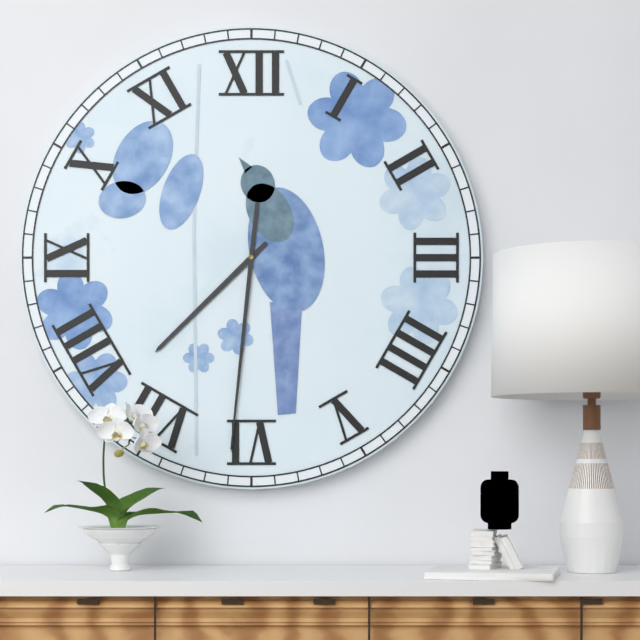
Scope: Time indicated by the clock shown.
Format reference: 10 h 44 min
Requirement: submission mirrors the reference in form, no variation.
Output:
7 h 31 min
